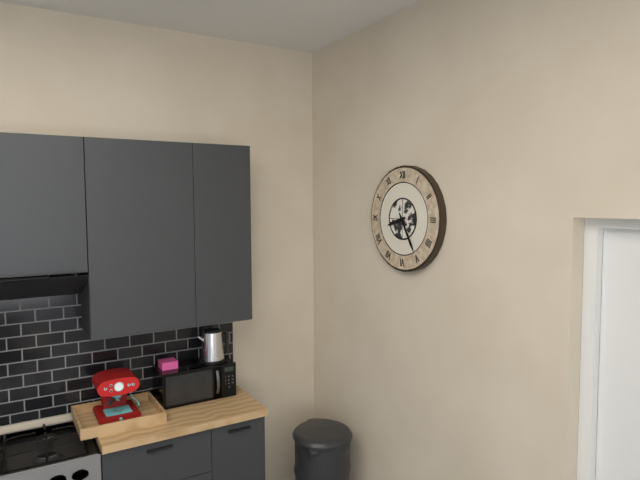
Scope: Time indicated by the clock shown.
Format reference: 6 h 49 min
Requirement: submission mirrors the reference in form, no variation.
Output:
8 h 25 min
